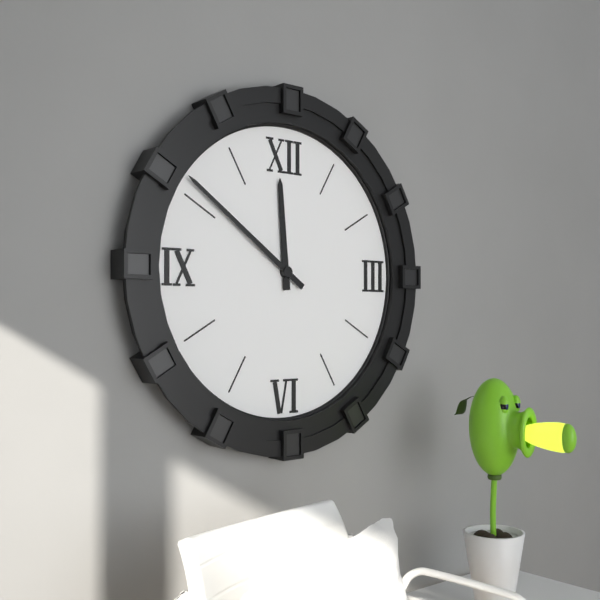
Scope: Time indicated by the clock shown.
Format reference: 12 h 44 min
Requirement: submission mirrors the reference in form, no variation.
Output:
11 h 51 min
